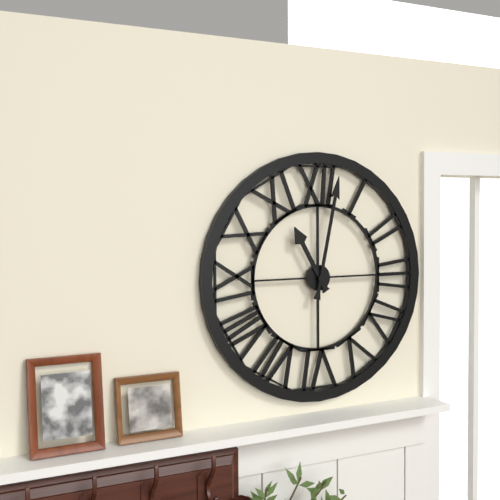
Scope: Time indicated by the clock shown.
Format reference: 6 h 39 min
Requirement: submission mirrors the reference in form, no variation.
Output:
11 h 02 min
